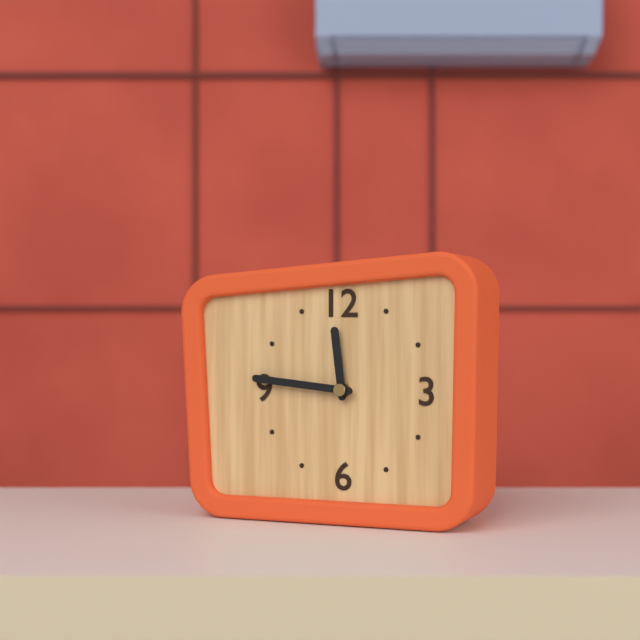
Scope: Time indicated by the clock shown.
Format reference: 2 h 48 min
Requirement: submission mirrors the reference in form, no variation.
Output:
11 h 46 min
